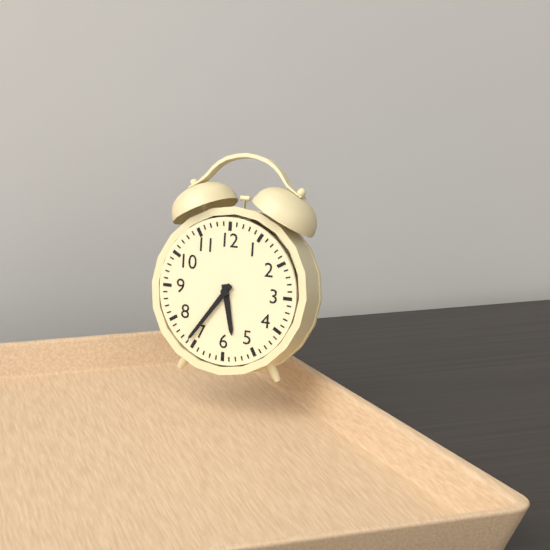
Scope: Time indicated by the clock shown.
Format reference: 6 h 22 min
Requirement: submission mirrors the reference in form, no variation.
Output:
5 h 36 min
